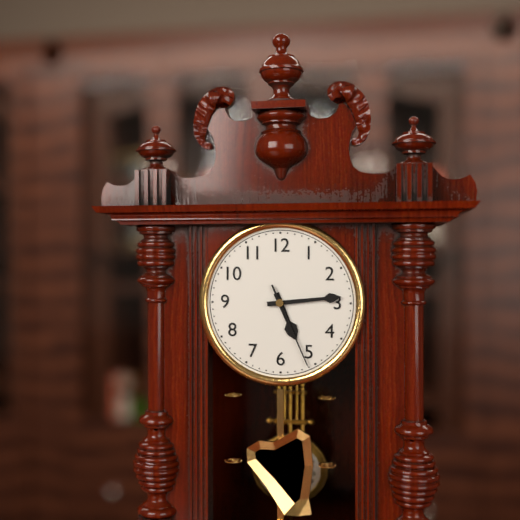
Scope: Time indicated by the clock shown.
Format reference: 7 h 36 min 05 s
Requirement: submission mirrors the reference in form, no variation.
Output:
5 h 14 min 26 s
